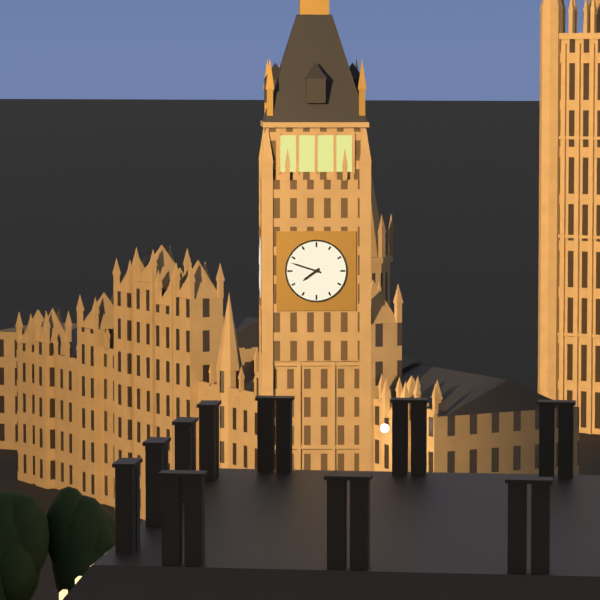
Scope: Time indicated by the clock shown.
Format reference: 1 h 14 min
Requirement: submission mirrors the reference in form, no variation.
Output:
7 h 48 min
